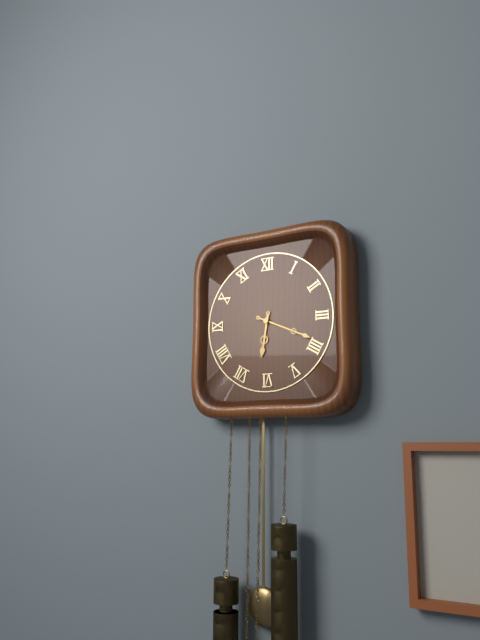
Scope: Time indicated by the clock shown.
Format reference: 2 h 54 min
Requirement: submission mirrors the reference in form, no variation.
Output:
6 h 19 min
